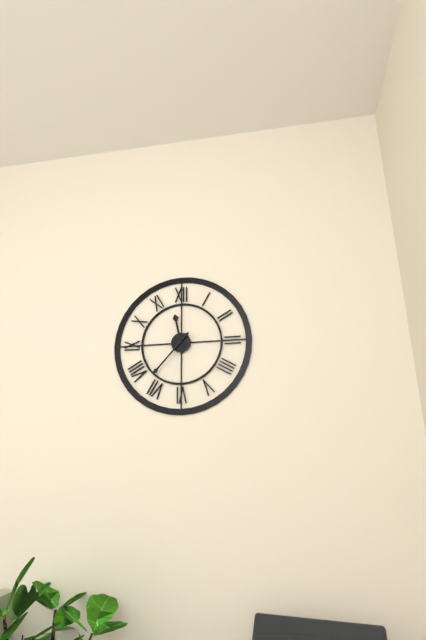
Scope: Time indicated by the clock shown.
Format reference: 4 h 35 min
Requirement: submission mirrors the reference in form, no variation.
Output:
11 h 37 min
